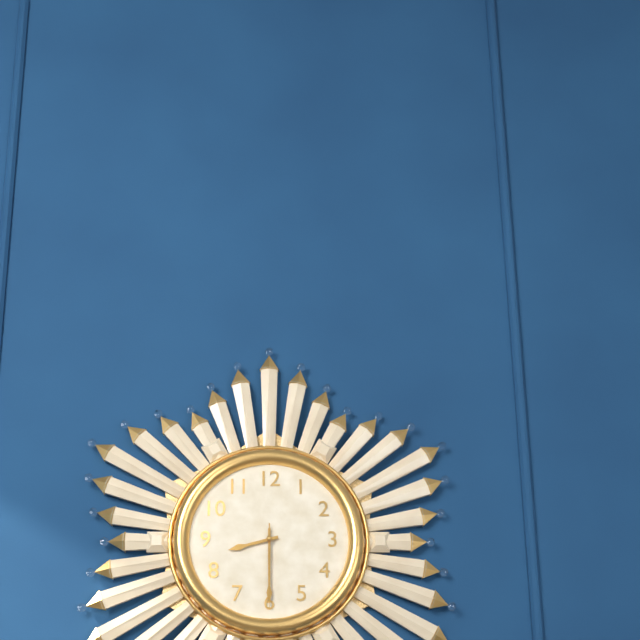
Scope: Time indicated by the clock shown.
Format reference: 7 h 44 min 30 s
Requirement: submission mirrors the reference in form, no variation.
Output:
8 h 30 min 30 s
